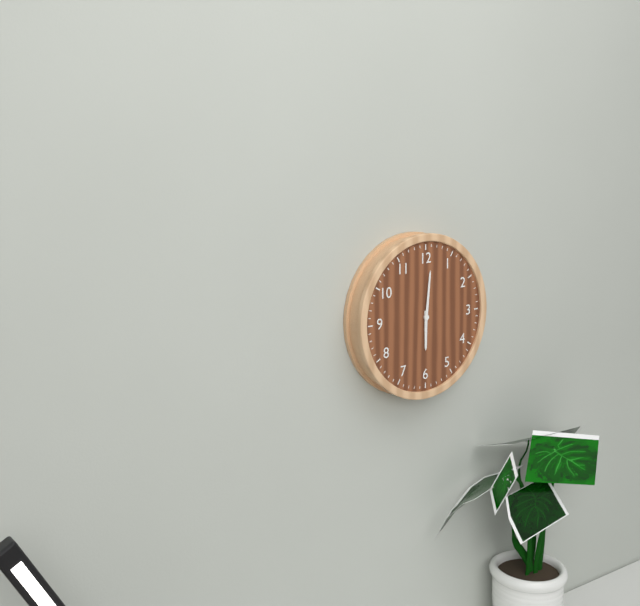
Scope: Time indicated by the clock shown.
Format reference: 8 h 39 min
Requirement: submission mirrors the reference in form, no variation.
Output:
6 h 01 min
